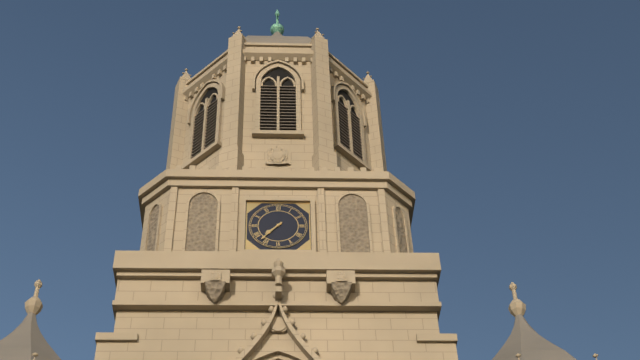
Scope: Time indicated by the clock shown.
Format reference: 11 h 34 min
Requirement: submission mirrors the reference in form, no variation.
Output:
7 h 37 min
